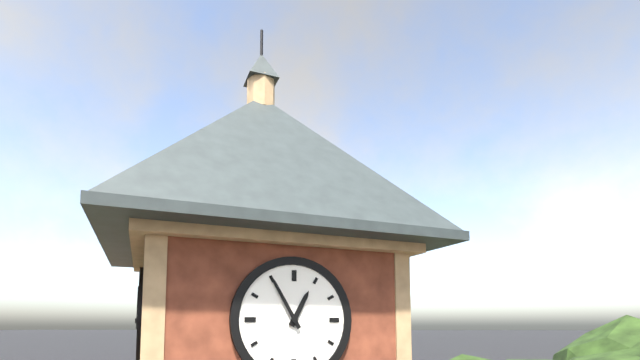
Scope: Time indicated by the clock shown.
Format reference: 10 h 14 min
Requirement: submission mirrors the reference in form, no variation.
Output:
12 h 55 min
